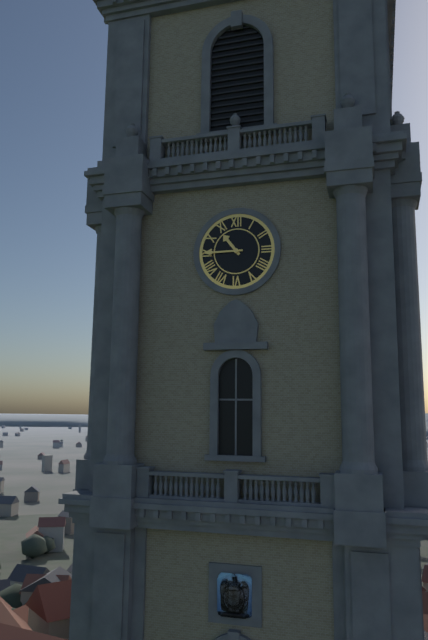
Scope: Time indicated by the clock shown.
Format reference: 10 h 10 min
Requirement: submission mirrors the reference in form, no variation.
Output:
10 h 45 min
